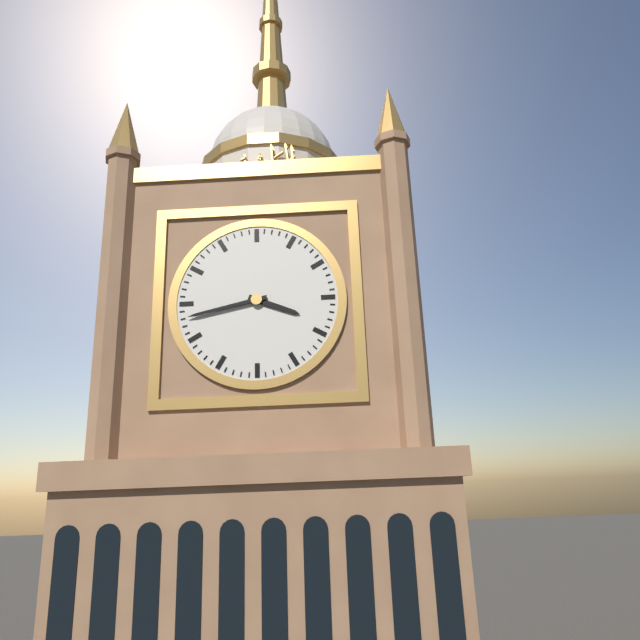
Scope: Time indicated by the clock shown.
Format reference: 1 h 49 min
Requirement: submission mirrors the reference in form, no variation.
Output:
3 h 43 min
